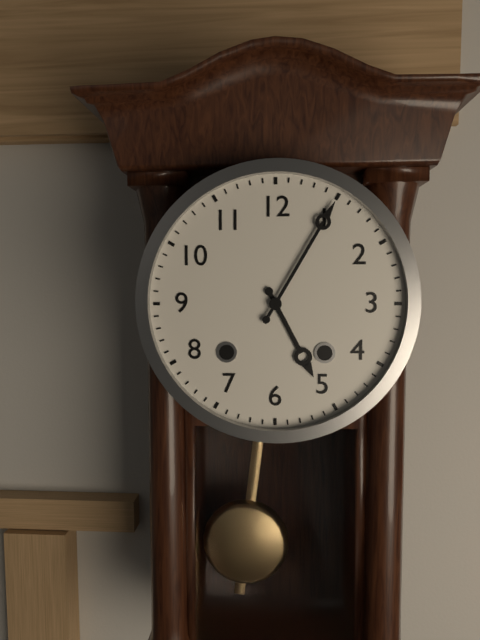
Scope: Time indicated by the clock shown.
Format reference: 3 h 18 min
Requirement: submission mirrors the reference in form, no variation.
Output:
5 h 05 min
